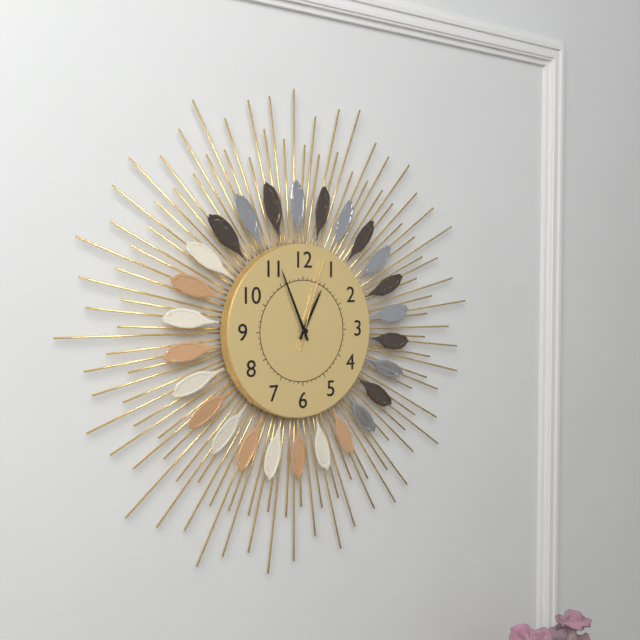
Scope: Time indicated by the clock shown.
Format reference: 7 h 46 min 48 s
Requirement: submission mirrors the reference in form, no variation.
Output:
12 h 56 min 03 s
